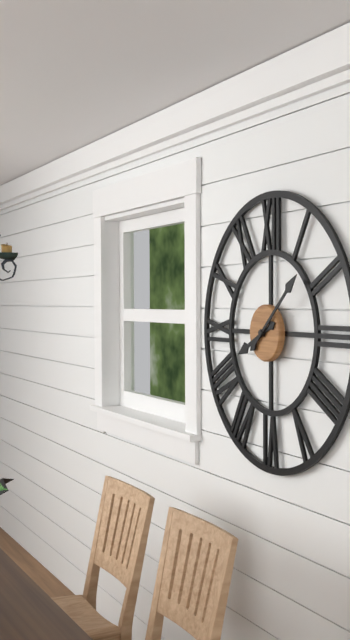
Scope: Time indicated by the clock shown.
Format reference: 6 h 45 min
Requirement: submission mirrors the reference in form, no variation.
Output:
8 h 08 min
